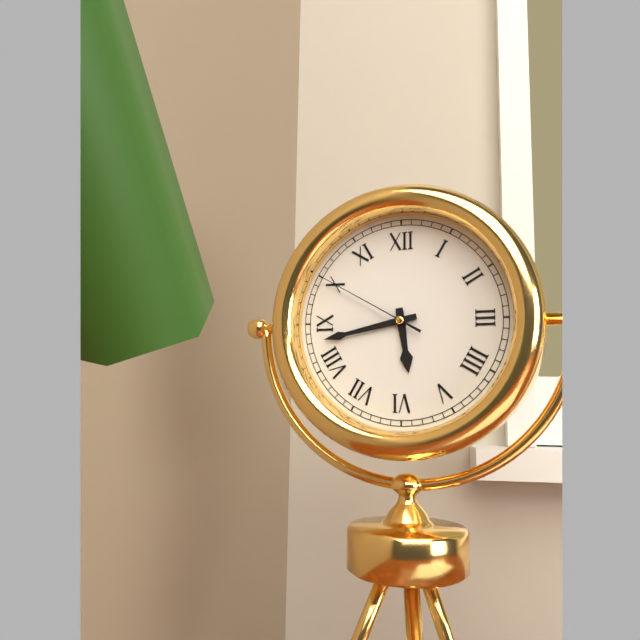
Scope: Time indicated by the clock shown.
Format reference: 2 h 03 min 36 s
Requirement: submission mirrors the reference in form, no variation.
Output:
5 h 43 min 50 s
